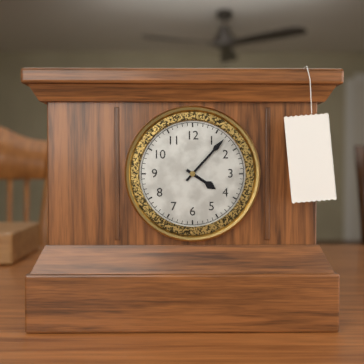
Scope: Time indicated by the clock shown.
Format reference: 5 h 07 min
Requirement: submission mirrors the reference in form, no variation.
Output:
4 h 07 min
